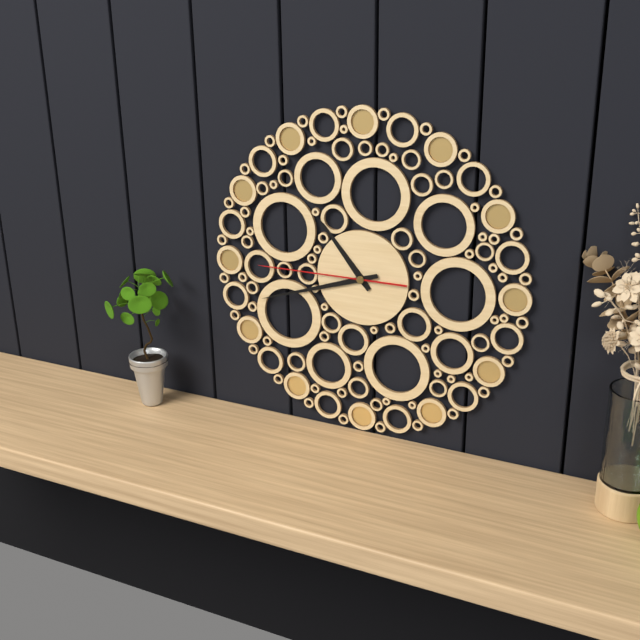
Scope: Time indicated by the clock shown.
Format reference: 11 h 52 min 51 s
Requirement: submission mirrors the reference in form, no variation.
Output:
10 h 42 min 45 s
